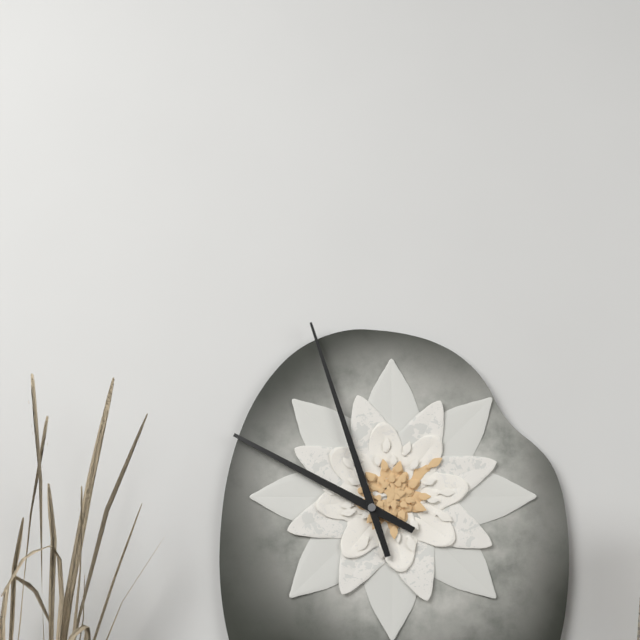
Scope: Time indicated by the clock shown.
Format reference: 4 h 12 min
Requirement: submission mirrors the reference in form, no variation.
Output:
9 h 57 min
